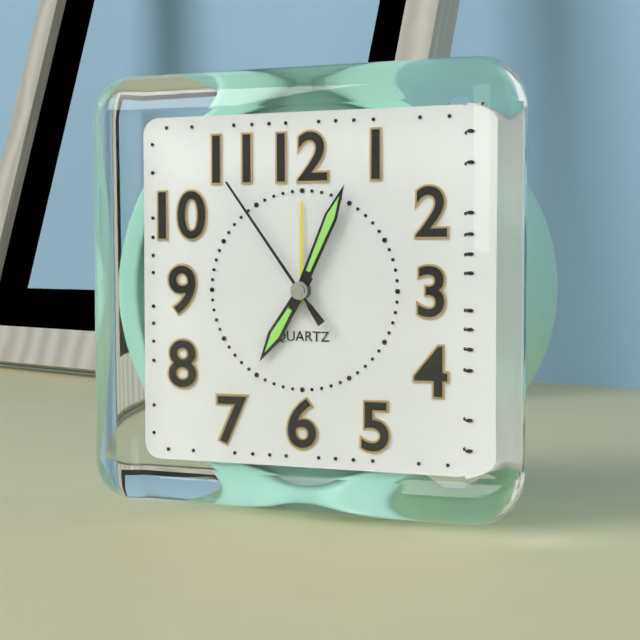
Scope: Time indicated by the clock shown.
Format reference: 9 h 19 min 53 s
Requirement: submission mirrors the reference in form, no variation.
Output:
7 h 04 min 54 s
